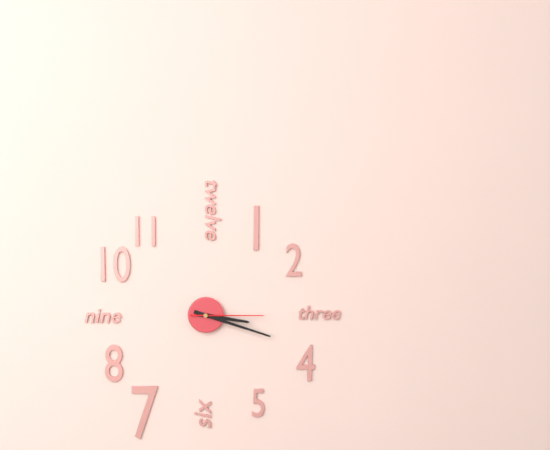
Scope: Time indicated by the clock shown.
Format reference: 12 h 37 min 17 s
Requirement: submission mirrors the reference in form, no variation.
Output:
3 h 18 min 15 s
